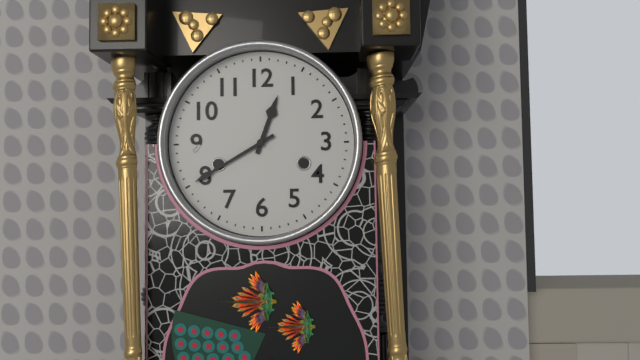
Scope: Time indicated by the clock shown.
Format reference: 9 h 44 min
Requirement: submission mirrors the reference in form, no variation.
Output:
12 h 40 min
